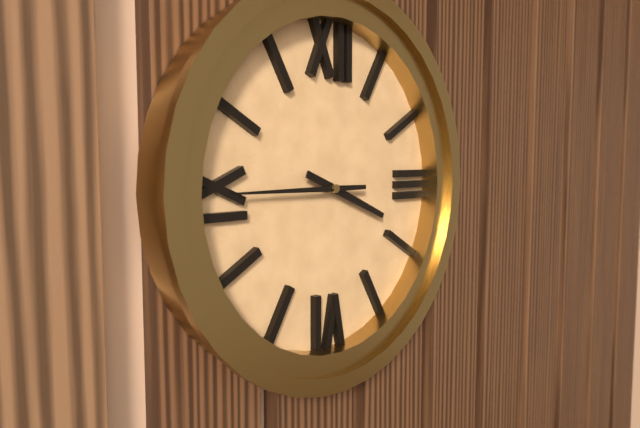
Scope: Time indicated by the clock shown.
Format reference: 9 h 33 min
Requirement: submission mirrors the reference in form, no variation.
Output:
3 h 45 min
